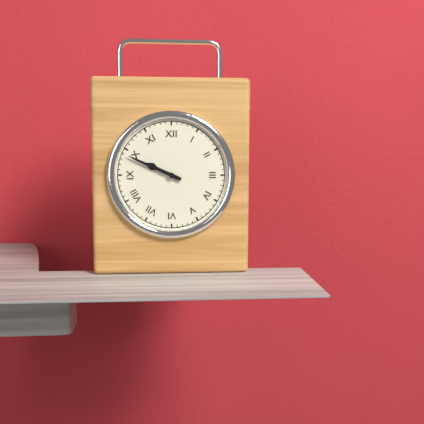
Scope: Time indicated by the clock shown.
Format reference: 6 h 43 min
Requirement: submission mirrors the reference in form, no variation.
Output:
9 h 49 min
